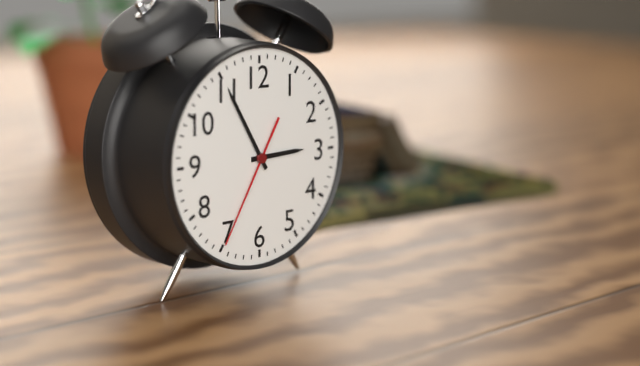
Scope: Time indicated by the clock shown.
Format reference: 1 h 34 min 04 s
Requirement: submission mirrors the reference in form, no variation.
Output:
2 h 55 min 35 s
